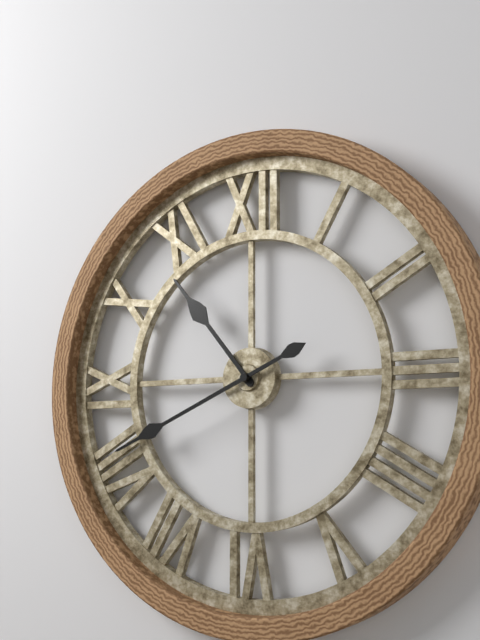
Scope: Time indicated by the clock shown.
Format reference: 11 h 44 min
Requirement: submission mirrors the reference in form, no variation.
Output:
10 h 41 min
